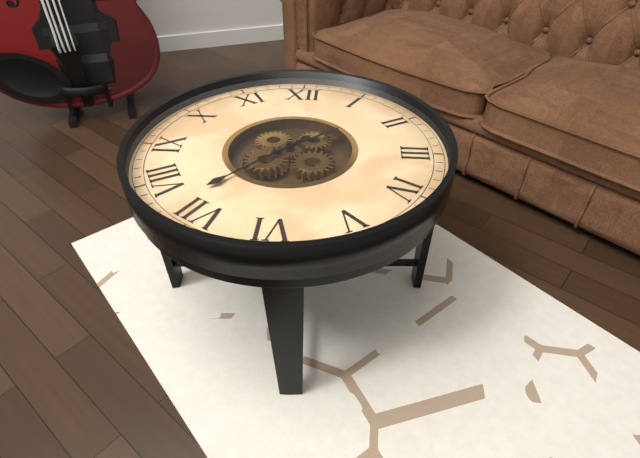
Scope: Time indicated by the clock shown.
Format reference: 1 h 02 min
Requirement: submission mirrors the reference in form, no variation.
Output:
1 h 37 min
